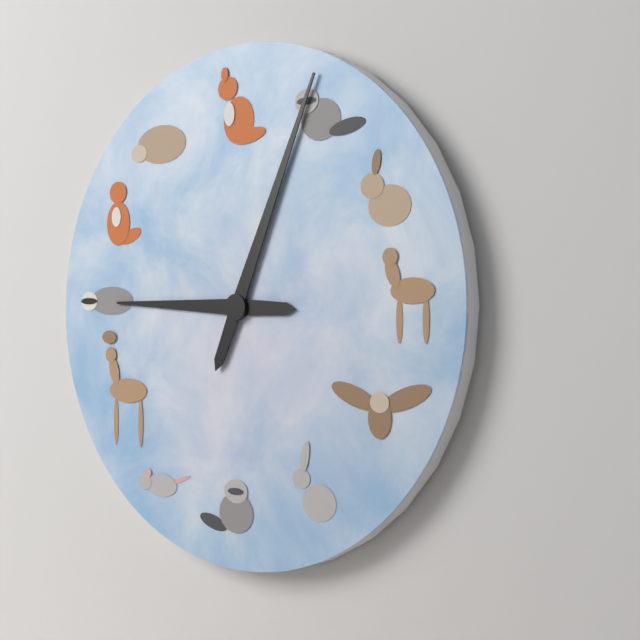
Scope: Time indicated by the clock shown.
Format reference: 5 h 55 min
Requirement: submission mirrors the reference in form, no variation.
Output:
9 h 04 min
